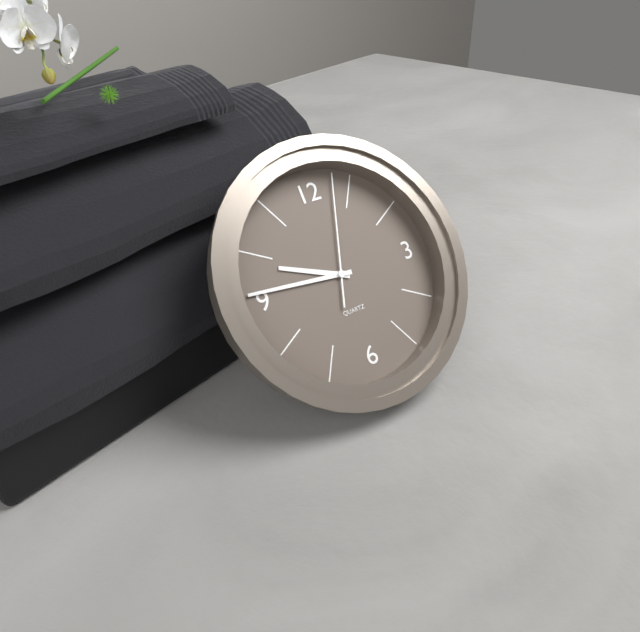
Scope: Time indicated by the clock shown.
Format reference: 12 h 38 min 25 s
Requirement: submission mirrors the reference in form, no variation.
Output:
9 h 46 min 03 s
